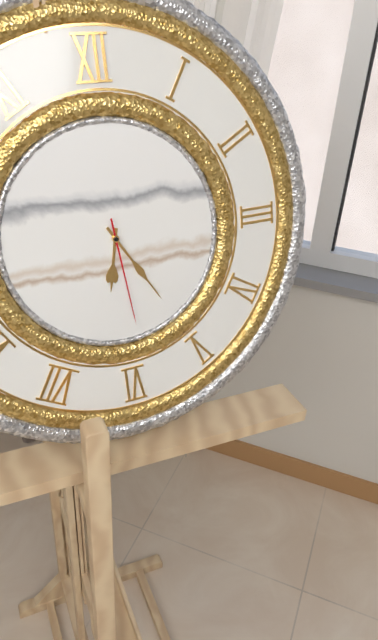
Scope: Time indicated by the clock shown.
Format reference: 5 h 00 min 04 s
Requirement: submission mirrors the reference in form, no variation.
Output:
6 h 25 min 29 s
